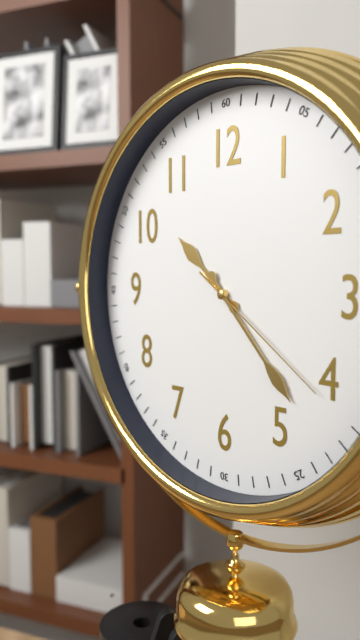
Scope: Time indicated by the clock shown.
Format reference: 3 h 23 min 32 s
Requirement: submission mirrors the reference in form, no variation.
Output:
10 h 23 min 21 s
